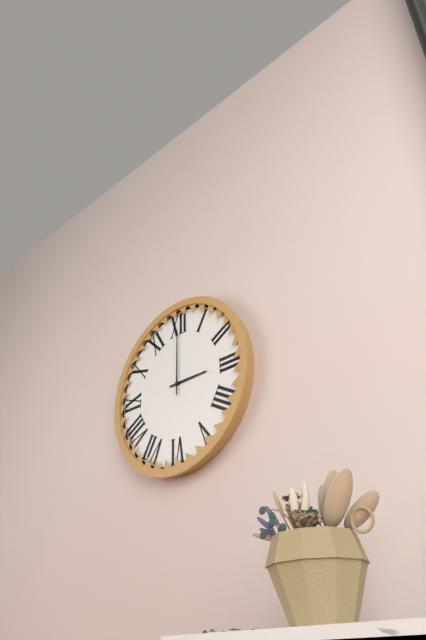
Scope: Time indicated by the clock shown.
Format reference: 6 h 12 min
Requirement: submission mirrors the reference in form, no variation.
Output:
3 h 00 min
